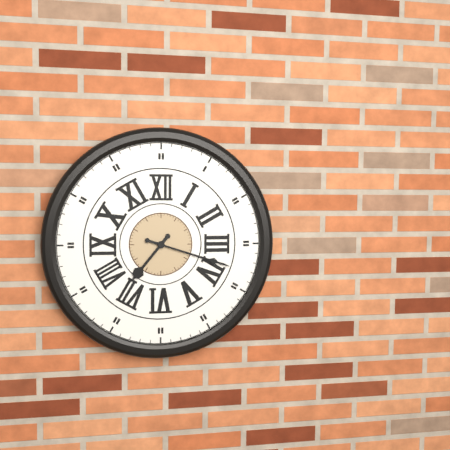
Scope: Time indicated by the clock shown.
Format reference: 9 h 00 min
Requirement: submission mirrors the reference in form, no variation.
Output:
7 h 18 min
